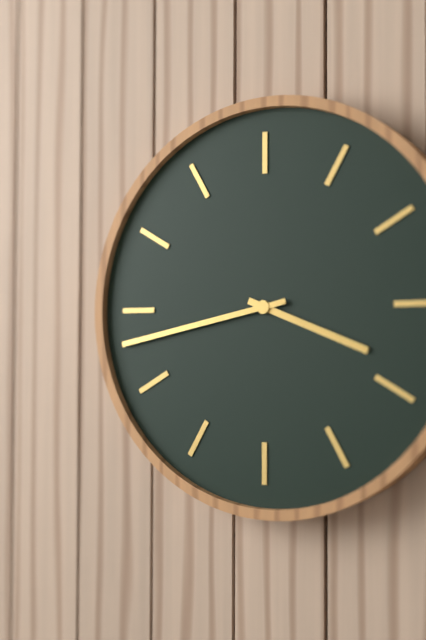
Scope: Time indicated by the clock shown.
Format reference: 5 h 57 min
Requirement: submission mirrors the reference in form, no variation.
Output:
3 h 43 min
